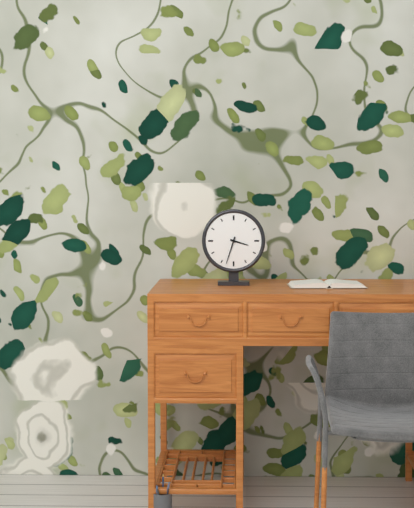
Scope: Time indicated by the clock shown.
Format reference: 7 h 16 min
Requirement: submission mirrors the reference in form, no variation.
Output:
3 h 33 min
